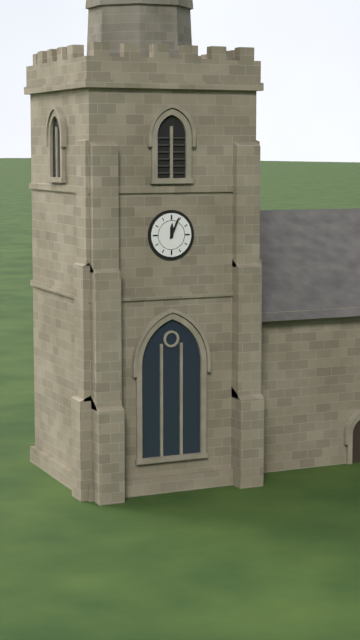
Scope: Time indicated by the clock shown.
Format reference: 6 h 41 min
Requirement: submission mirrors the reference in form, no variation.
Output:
12 h 04 min
